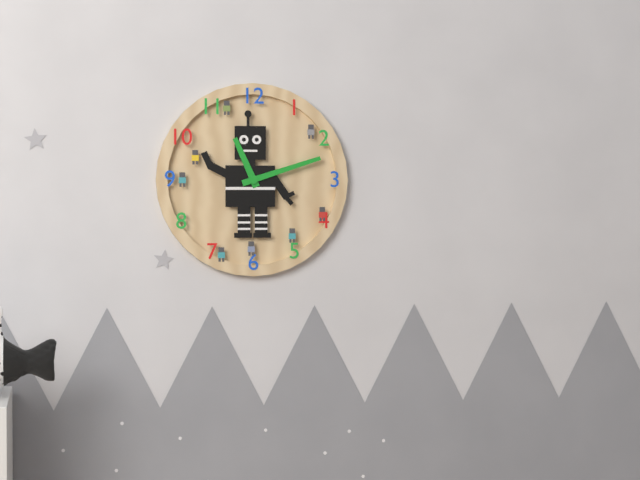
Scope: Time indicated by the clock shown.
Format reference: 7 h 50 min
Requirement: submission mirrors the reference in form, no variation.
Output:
11 h 12 min
